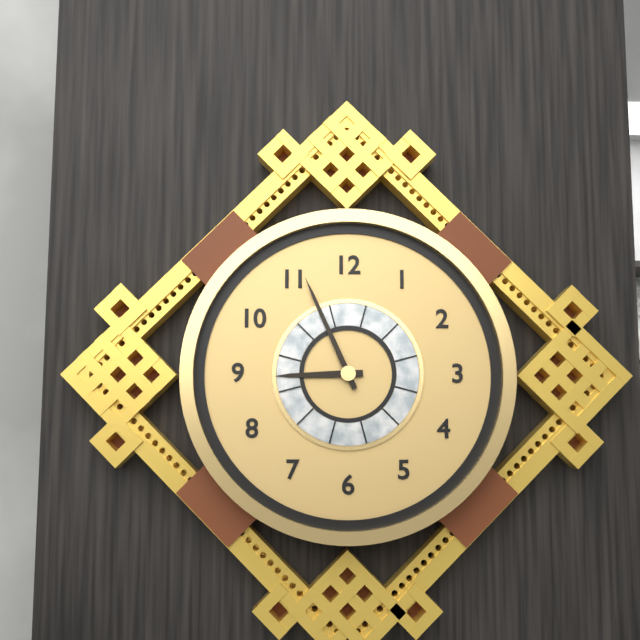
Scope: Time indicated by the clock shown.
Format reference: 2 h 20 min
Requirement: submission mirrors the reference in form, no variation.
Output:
8 h 56 min
